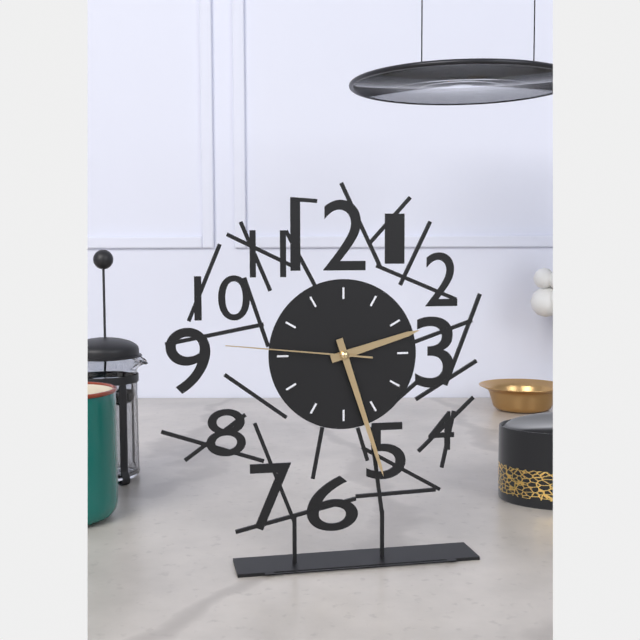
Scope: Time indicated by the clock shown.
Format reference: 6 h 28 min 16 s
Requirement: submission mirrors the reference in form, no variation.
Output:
2 h 27 min 46 s
